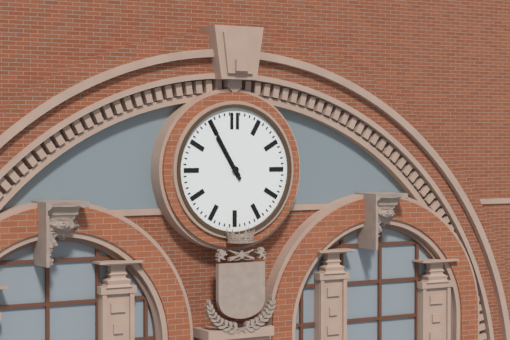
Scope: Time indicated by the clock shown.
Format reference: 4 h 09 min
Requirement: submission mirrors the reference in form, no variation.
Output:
10 h 55 min
